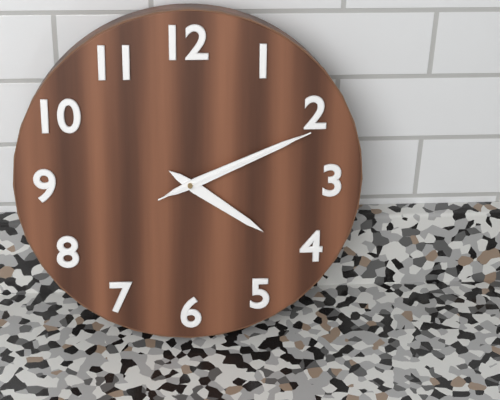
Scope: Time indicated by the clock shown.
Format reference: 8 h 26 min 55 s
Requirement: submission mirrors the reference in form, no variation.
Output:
4 h 11 min 11 s
